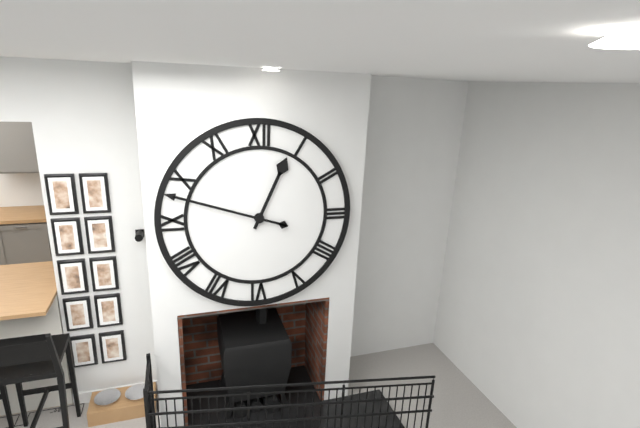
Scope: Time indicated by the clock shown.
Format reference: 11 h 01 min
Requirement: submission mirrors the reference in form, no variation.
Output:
12 h 48 min
